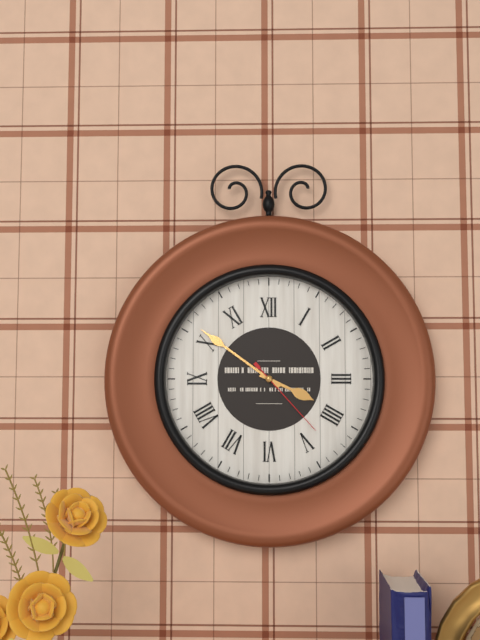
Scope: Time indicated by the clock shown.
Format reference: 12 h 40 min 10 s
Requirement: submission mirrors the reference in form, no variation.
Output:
3 h 51 min 23 s
